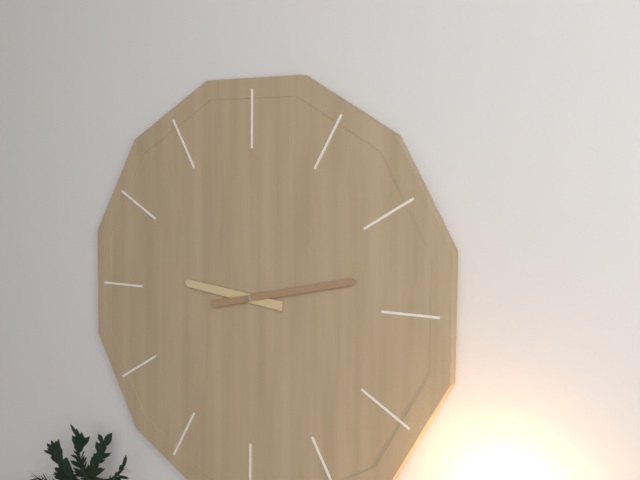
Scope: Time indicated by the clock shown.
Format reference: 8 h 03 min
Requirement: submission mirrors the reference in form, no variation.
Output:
9 h 13 min
